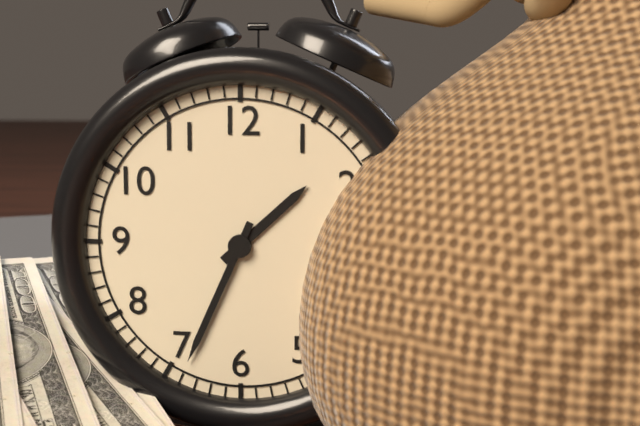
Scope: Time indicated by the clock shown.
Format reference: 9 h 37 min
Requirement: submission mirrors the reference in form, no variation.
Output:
1 h 34 min
